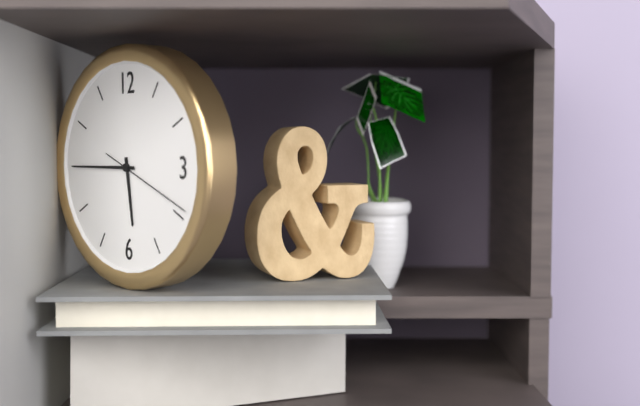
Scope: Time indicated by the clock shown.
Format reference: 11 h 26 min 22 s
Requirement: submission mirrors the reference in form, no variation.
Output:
5 h 45 min 19 s
